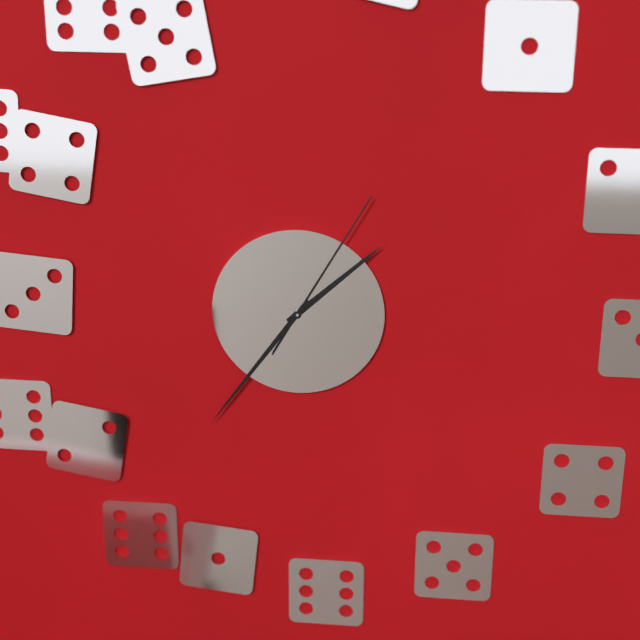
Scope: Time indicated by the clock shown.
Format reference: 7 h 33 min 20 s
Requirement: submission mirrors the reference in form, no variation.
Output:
1 h 36 min 05 s
